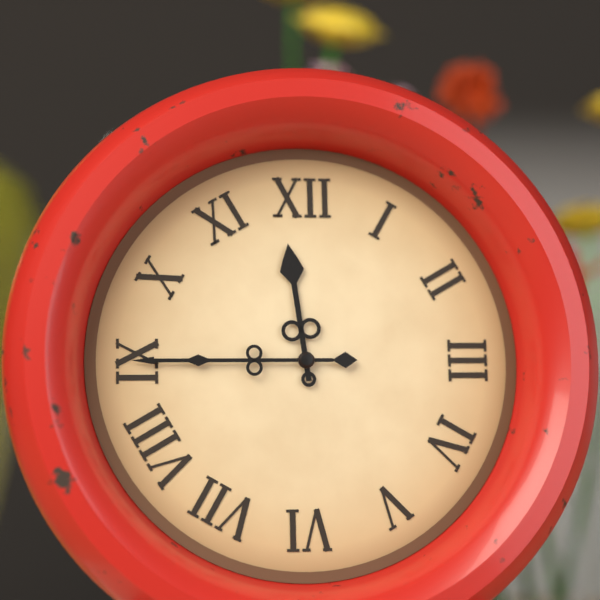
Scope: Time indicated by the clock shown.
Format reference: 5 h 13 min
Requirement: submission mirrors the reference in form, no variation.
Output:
11 h 45 min
